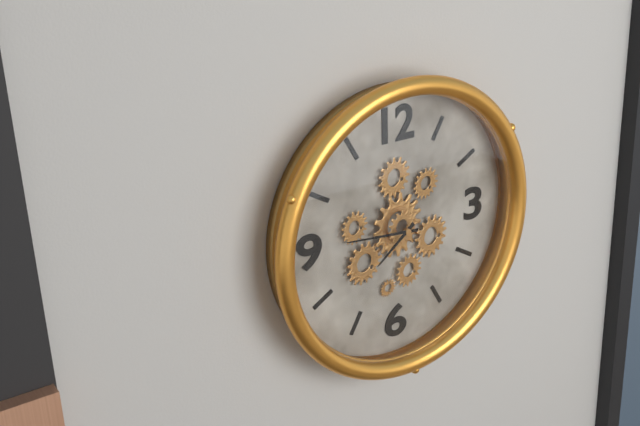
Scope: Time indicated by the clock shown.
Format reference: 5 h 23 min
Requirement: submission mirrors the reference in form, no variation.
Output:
7 h 46 min
